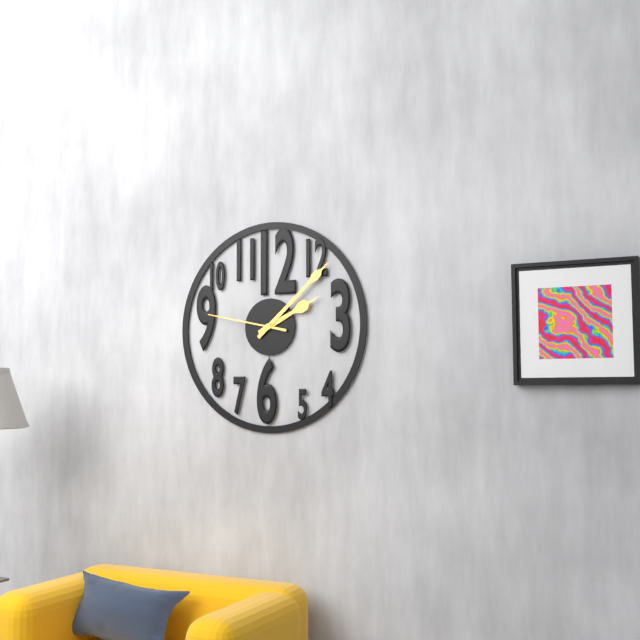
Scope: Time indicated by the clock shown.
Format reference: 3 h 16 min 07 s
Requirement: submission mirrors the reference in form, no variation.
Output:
2 h 08 min 47 s
